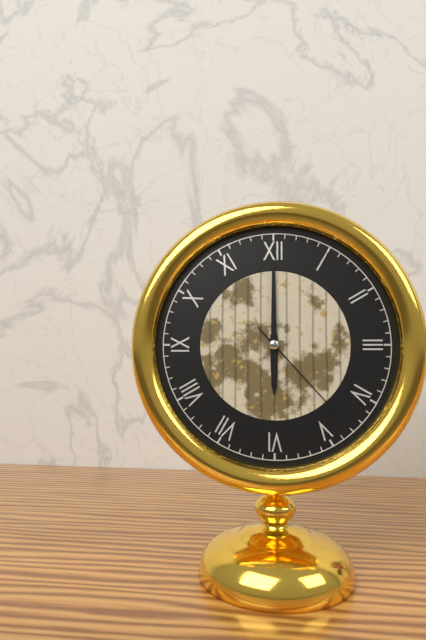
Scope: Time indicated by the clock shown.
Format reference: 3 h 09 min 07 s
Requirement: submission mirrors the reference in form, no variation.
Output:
6 h 00 min 23 s
